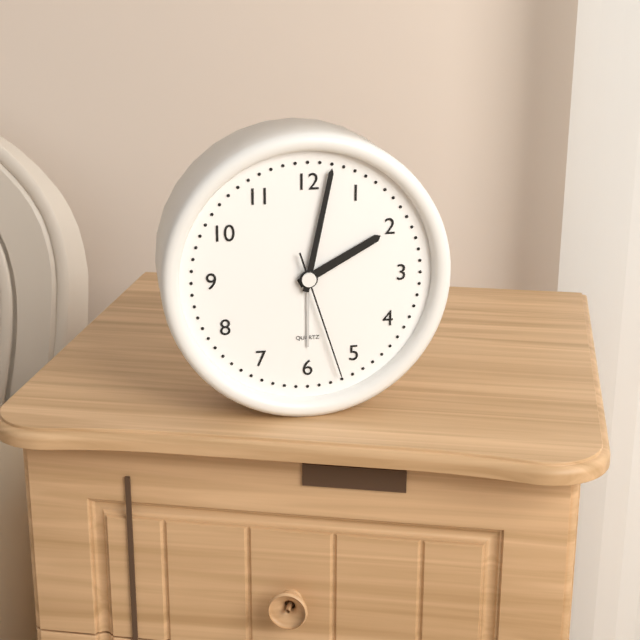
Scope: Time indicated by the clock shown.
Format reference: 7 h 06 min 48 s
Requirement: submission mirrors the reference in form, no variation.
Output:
2 h 02 min 27 s
